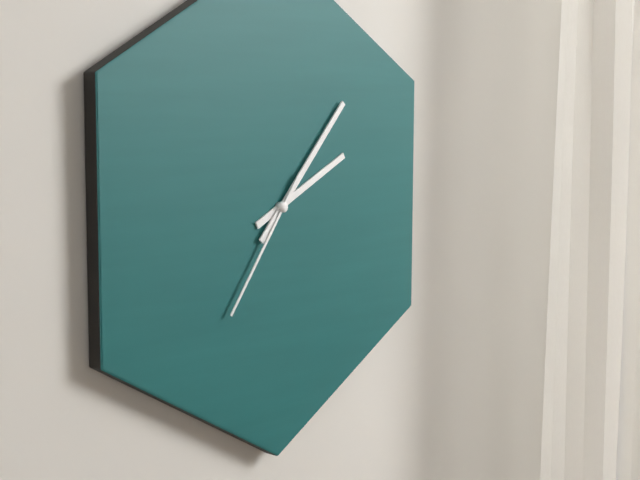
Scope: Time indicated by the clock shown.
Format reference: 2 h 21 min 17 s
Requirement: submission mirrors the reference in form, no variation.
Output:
2 h 07 min 36 s
